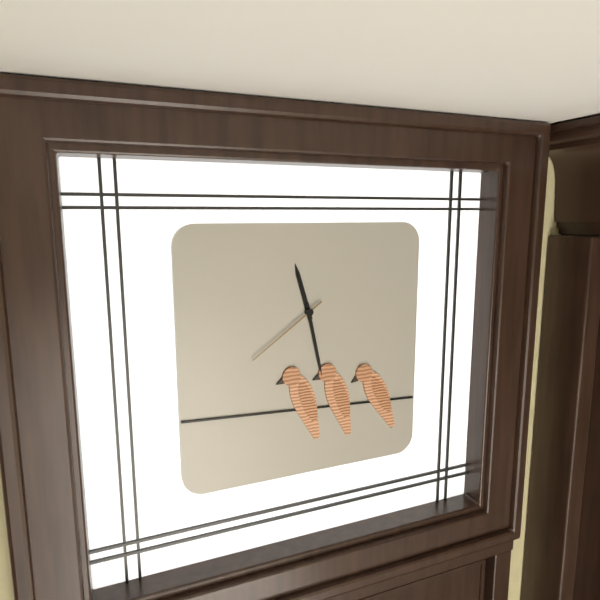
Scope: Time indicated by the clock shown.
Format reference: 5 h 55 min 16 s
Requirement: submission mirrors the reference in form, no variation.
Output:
11 h 28 min 39 s
